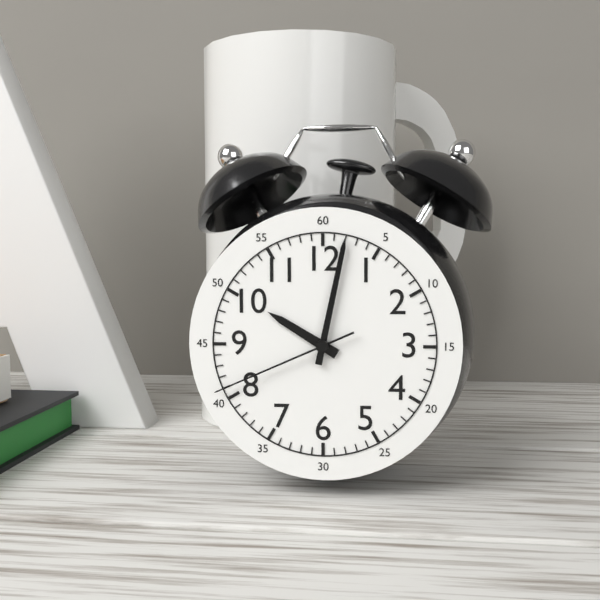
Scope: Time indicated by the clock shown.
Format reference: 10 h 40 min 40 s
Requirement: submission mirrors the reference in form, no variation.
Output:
10 h 02 min 41 s
